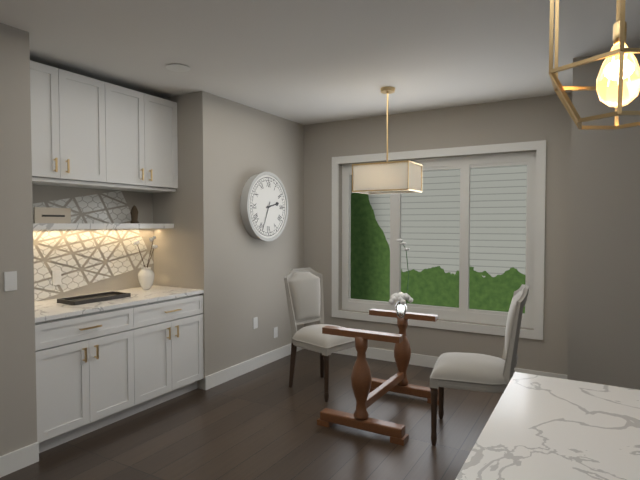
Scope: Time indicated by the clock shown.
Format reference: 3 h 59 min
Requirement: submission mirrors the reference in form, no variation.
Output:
2 h 34 min
